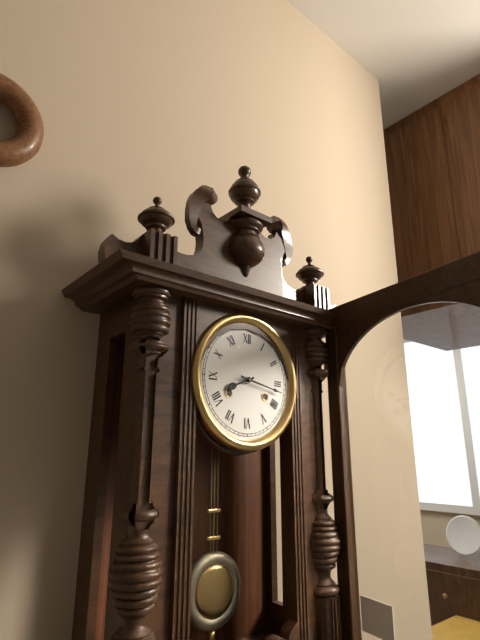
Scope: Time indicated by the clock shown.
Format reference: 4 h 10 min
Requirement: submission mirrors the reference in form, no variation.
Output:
8 h 17 min
